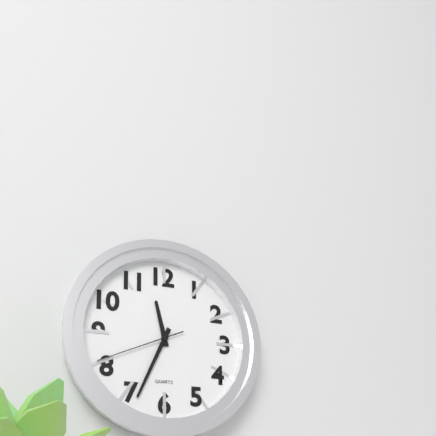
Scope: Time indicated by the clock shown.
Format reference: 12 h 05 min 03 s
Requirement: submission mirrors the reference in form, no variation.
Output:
11 h 34 min 41 s
